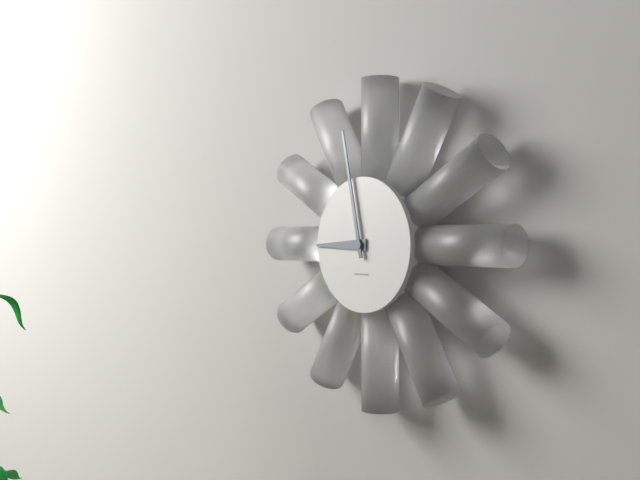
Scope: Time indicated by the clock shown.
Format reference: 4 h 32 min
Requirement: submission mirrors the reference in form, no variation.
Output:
8 h 58 min
